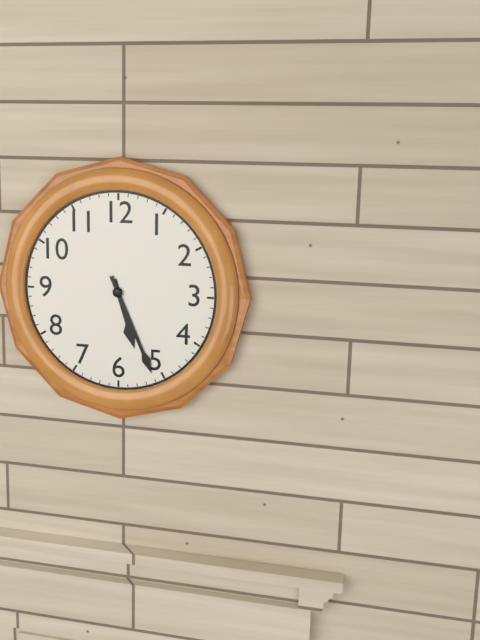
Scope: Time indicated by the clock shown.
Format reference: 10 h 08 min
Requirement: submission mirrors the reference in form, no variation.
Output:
5 h 26 min
